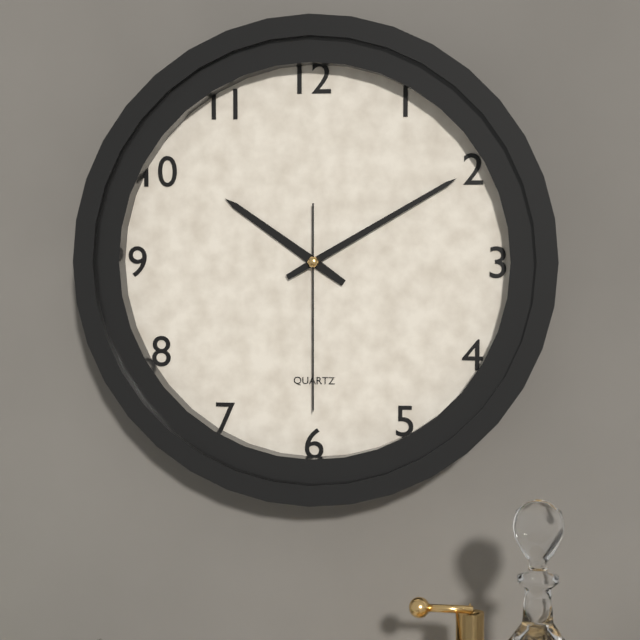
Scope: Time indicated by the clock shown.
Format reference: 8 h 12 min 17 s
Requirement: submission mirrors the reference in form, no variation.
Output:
10 h 10 min 30 s
